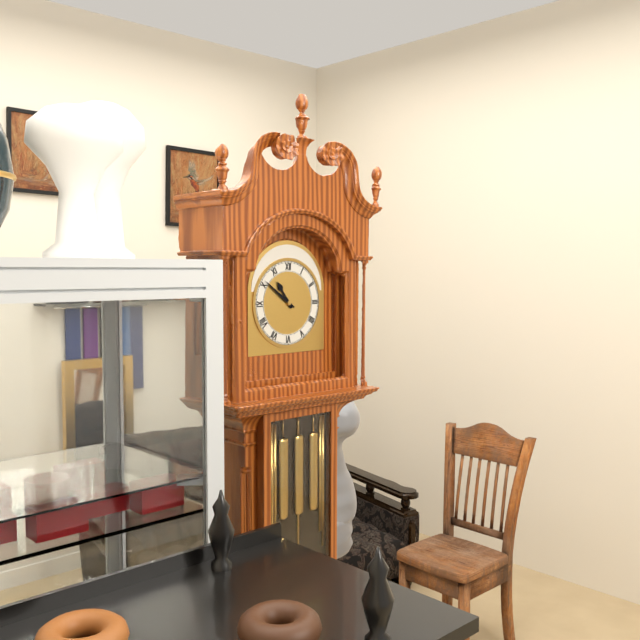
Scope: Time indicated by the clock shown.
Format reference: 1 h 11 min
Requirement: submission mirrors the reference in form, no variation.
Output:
10 h 51 min
